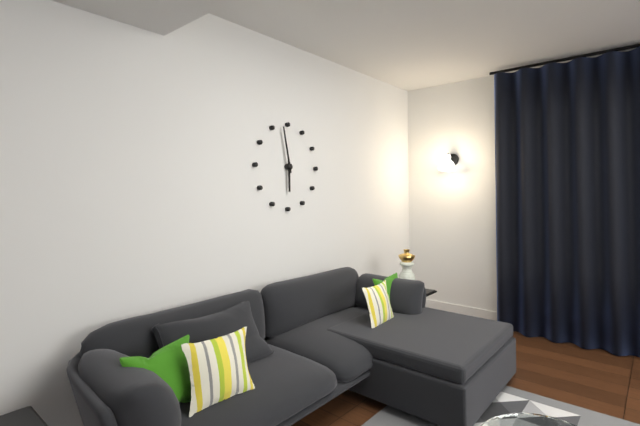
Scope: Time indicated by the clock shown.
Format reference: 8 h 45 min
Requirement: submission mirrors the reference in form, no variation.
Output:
5 h 58 min
